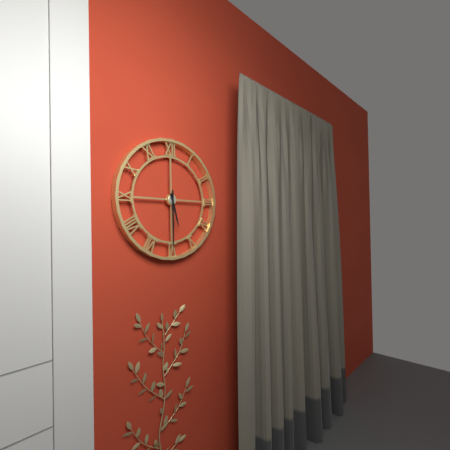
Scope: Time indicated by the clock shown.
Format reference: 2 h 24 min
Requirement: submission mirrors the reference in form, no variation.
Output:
5 h 30 min
